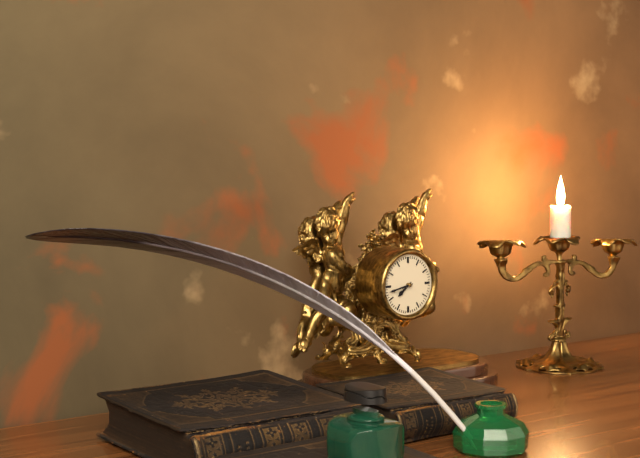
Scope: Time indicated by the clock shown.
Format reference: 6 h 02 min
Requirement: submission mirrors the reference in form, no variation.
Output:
7 h 43 min
